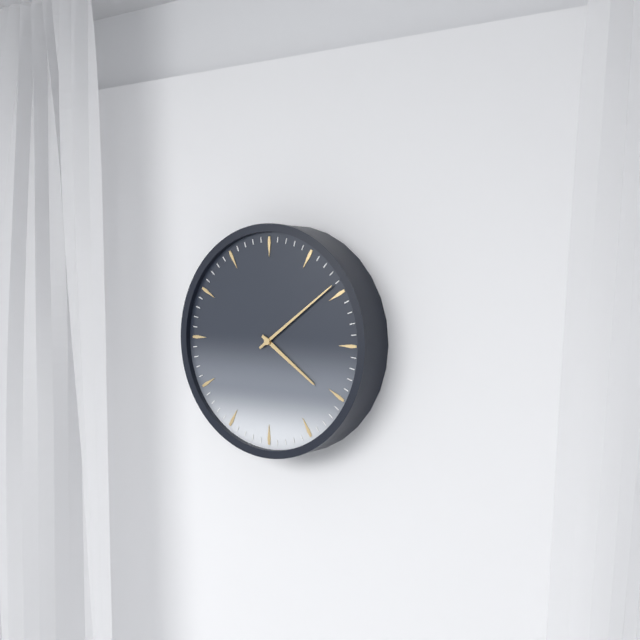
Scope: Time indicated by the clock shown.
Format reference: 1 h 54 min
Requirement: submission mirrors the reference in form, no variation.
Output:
4 h 09 min
